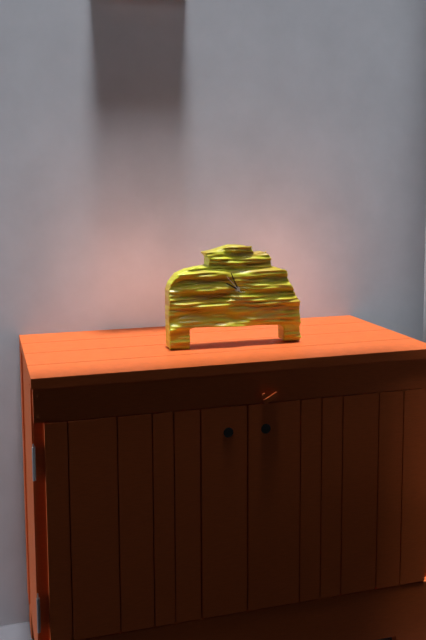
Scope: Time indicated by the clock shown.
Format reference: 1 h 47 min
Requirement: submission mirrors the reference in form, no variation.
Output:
9 h 56 min
